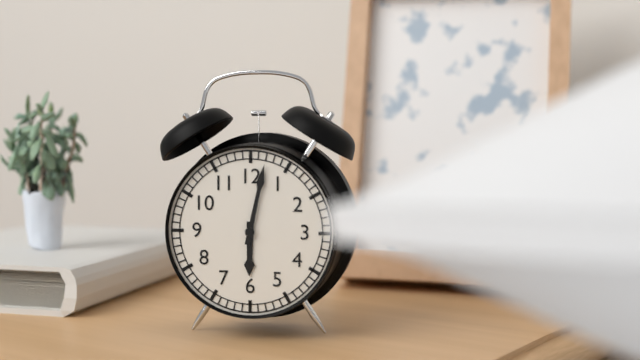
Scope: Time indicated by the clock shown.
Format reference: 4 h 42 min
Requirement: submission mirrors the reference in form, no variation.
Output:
6 h 02 min
